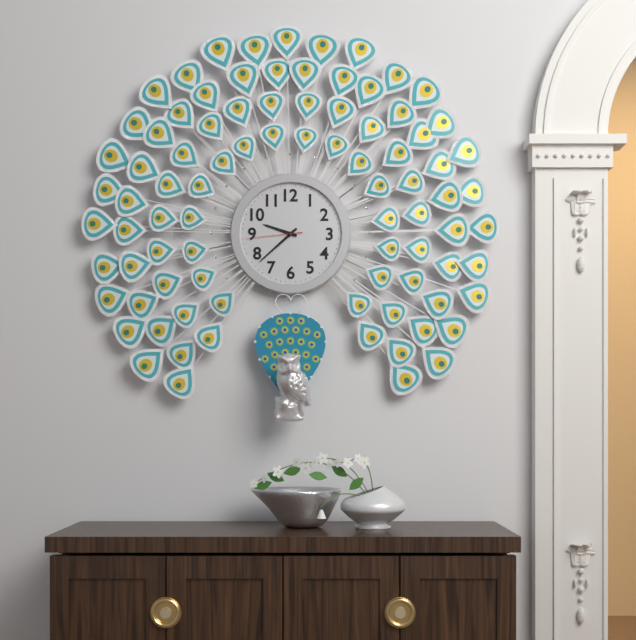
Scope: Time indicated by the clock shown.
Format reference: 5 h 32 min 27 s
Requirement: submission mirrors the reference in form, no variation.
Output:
9 h 38 min 44 s
